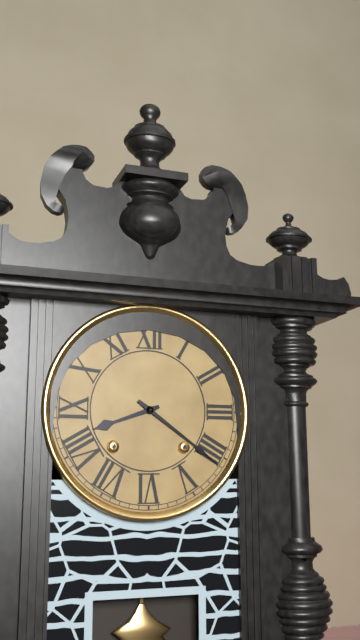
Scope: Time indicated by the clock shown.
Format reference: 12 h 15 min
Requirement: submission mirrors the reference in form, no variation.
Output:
8 h 21 min
